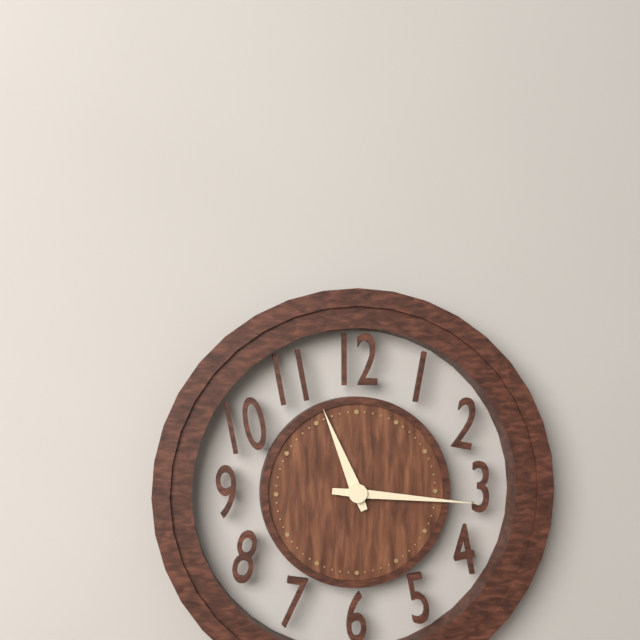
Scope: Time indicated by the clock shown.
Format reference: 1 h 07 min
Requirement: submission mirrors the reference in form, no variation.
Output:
11 h 16 min
